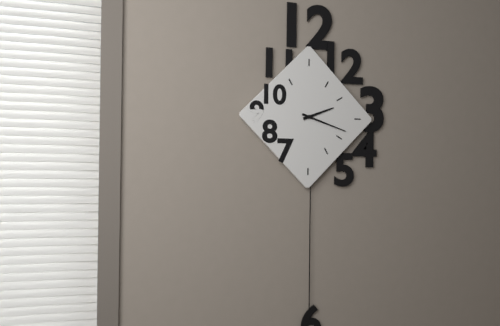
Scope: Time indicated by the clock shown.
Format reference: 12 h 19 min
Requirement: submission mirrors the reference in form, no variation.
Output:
2 h 18 min
